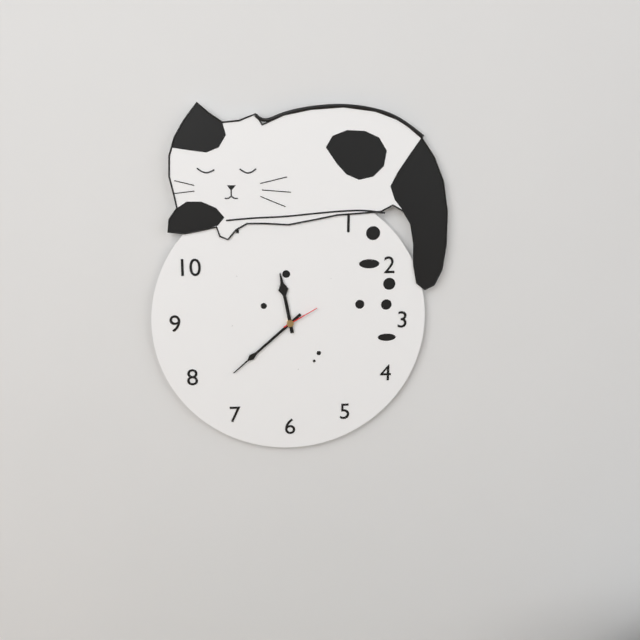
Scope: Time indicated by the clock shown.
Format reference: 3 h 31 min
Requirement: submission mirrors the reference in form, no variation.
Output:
11 h 38 min
